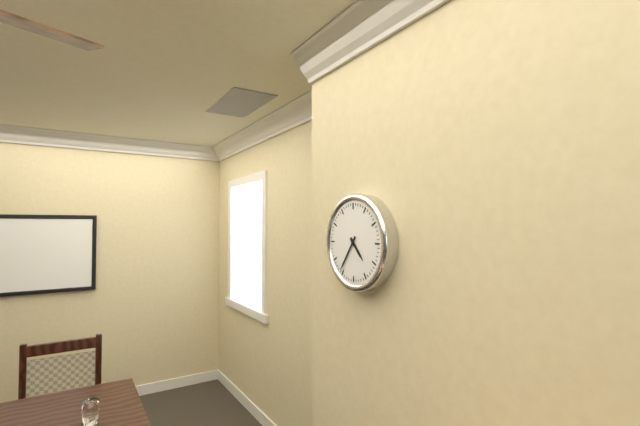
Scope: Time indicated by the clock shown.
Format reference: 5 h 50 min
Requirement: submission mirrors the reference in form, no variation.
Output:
4 h 36 min
